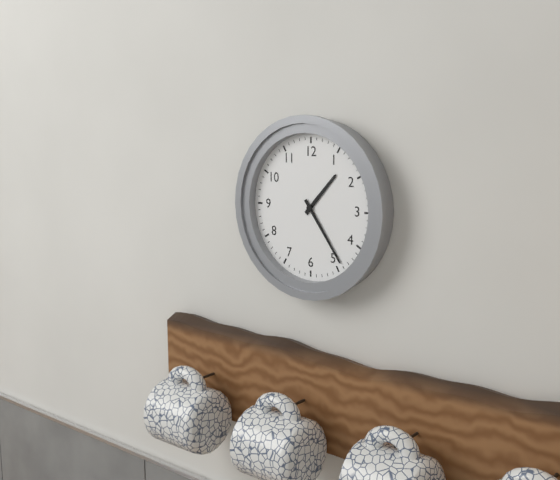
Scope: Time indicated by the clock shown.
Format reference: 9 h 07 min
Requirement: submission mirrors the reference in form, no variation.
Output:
1 h 24 min
